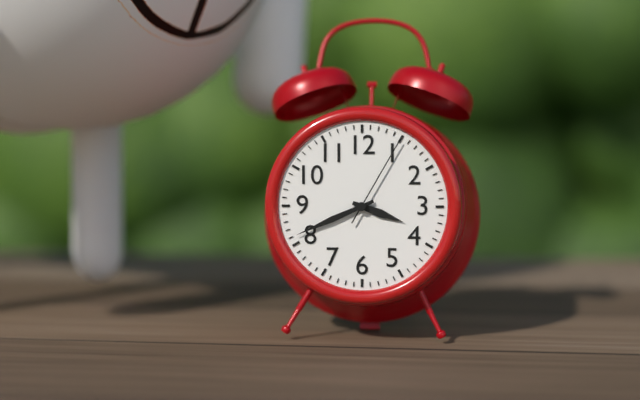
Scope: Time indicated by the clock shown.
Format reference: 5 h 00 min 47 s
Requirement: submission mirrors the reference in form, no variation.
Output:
3 h 41 min 05 s
